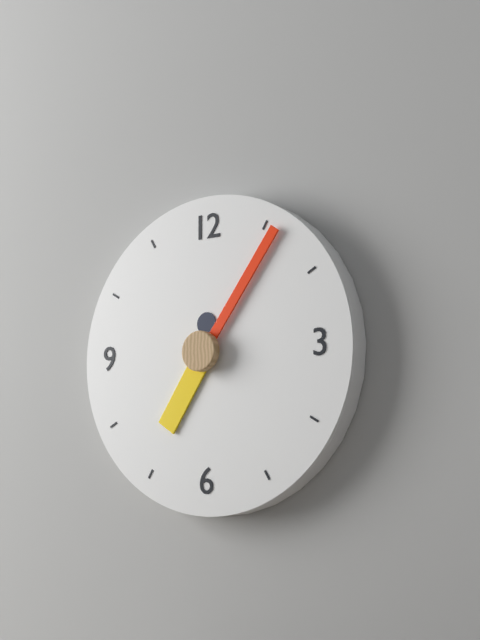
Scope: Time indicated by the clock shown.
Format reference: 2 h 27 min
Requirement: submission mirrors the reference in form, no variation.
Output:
7 h 06 min
